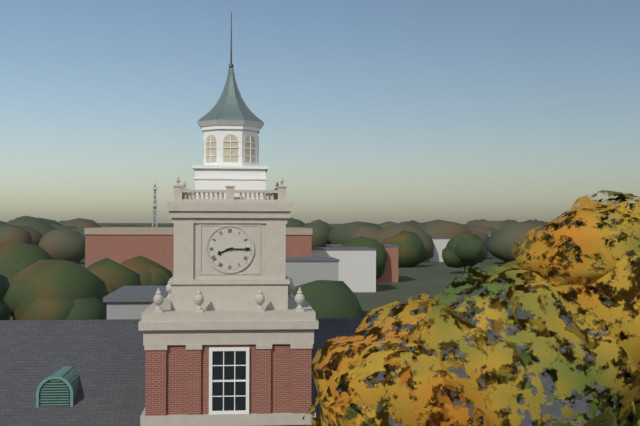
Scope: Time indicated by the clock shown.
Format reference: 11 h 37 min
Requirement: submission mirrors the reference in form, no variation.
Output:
8 h 15 min
